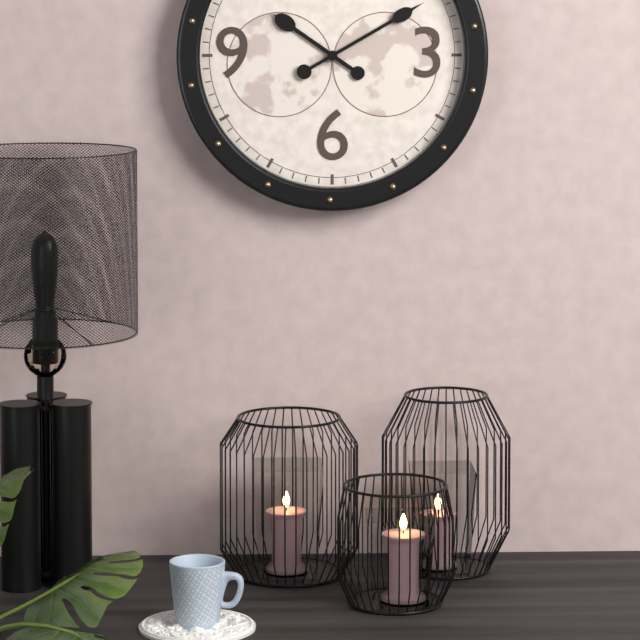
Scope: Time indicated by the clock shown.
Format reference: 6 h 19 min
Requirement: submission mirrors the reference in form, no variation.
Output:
10 h 10 min
